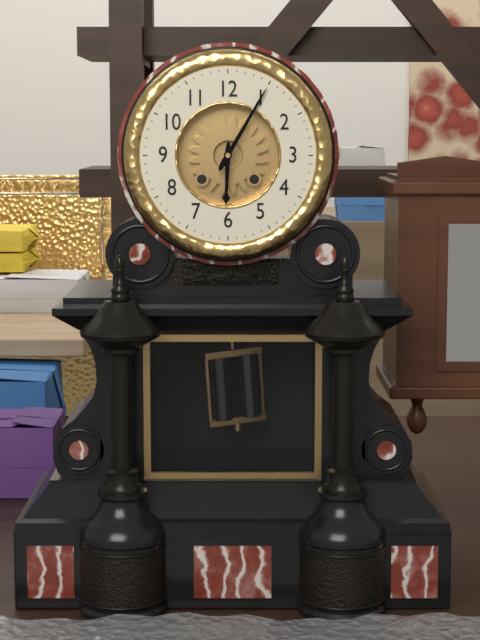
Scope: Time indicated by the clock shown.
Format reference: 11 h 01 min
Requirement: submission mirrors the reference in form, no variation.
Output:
6 h 05 min
